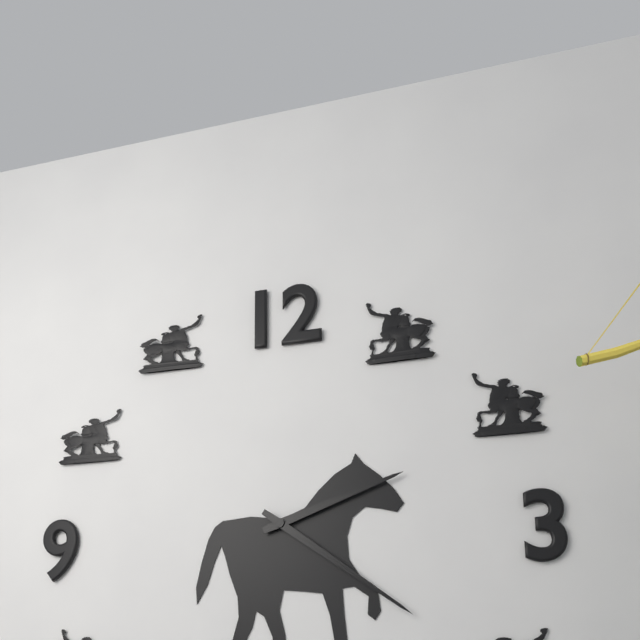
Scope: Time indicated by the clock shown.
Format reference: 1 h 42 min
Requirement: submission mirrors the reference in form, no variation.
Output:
2 h 21 min
